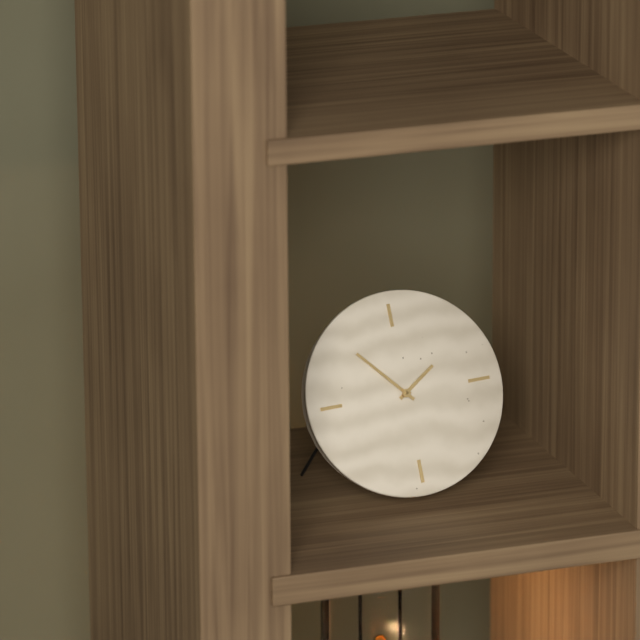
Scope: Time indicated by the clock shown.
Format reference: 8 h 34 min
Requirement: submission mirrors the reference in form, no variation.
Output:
1 h 53 min
